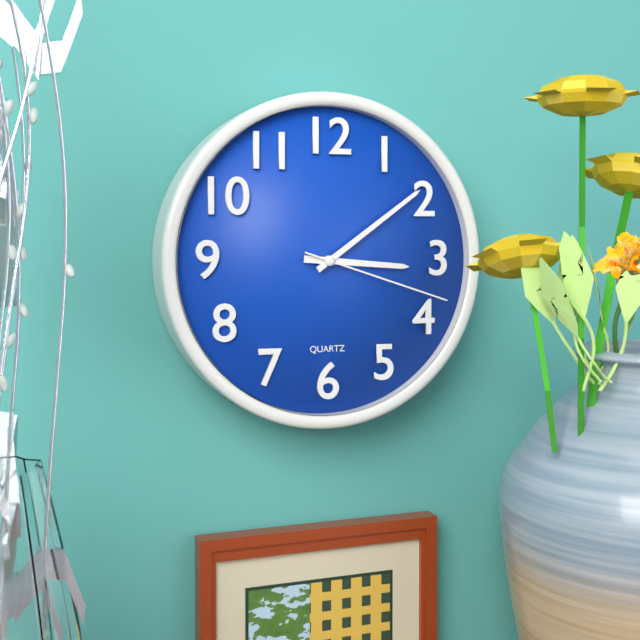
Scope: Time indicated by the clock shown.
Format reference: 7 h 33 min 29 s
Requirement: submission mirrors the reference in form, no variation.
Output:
3 h 09 min 18 s
